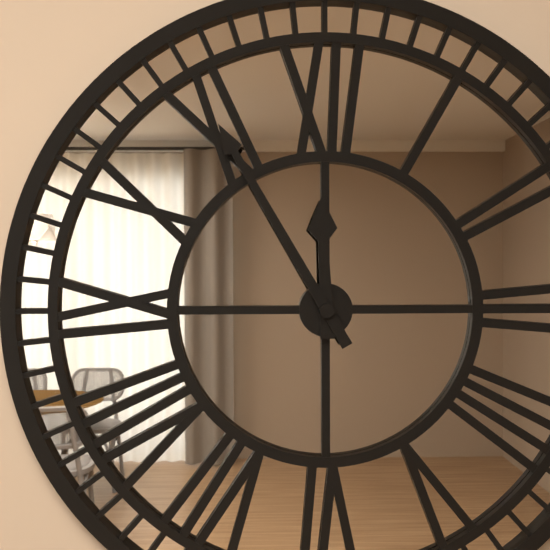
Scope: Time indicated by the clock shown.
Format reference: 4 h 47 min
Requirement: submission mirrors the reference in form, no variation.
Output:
11 h 55 min
